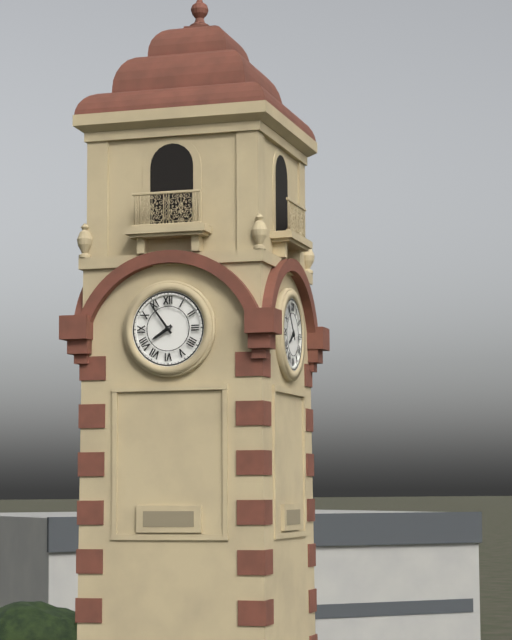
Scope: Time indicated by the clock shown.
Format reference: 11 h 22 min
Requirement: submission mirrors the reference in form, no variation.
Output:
7 h 54 min
